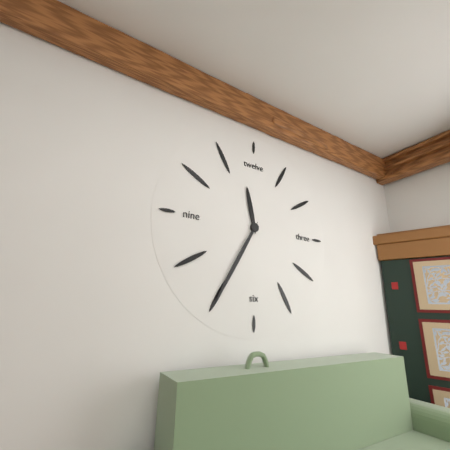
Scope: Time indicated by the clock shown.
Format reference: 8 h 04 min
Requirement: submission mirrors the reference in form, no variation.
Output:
11 h 35 min
